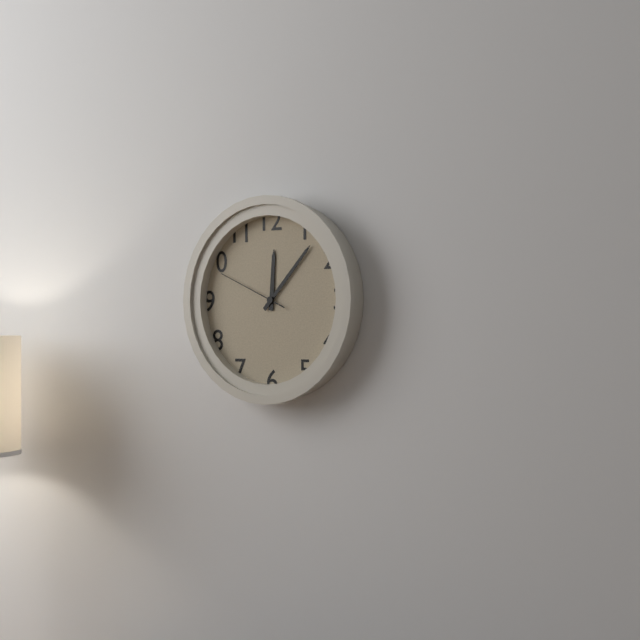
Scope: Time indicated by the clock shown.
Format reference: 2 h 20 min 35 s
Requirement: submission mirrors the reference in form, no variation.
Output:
12 h 07 min 49 s
